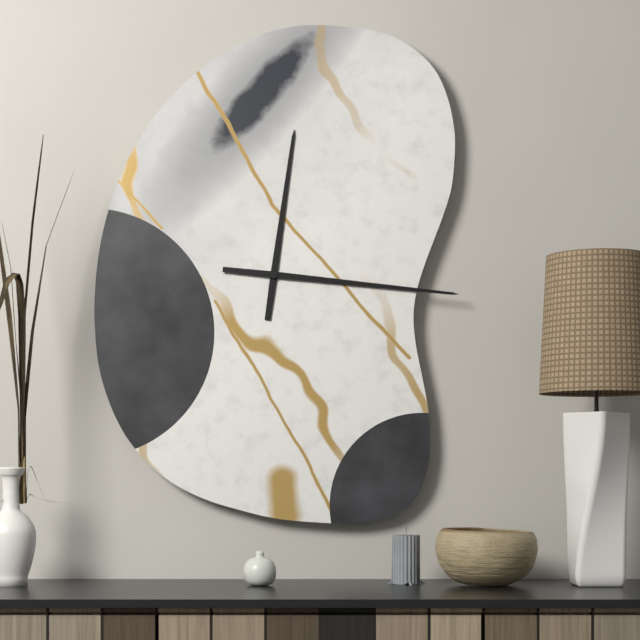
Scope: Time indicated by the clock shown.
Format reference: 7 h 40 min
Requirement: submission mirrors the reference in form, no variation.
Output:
12 h 16 min
